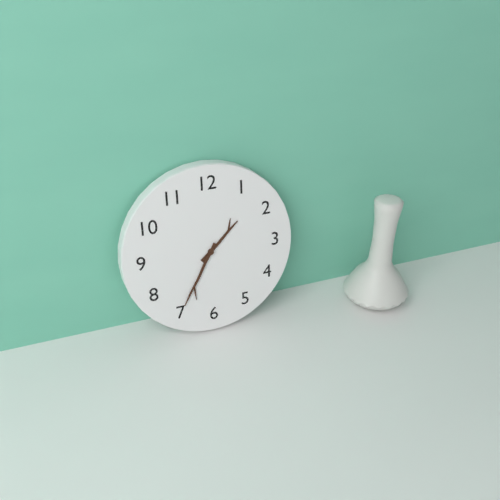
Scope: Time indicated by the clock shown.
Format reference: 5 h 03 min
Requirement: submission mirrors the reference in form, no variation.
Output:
1 h 35 min
